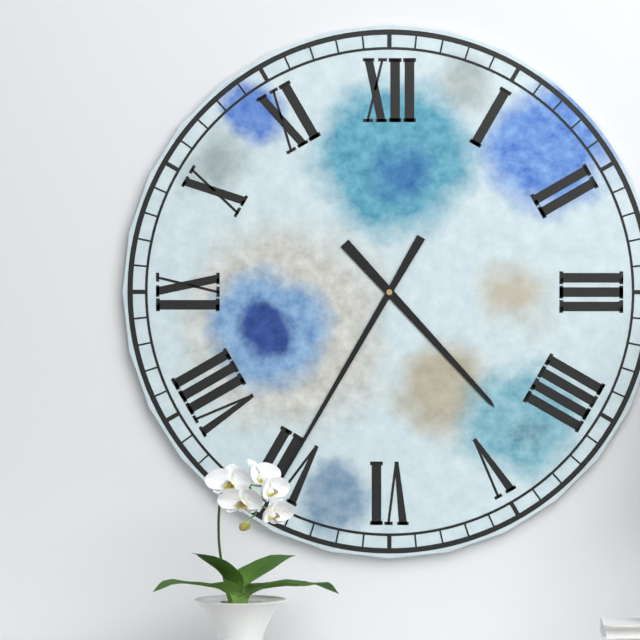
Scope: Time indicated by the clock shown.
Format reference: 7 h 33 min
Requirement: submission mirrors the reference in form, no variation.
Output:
4 h 35 min
